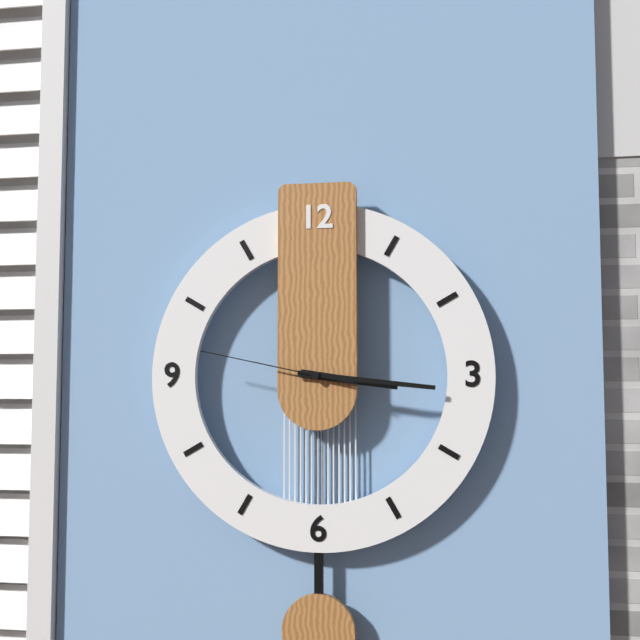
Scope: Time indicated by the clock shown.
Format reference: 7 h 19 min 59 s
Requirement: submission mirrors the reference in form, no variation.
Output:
3 h 16 min 47 s
